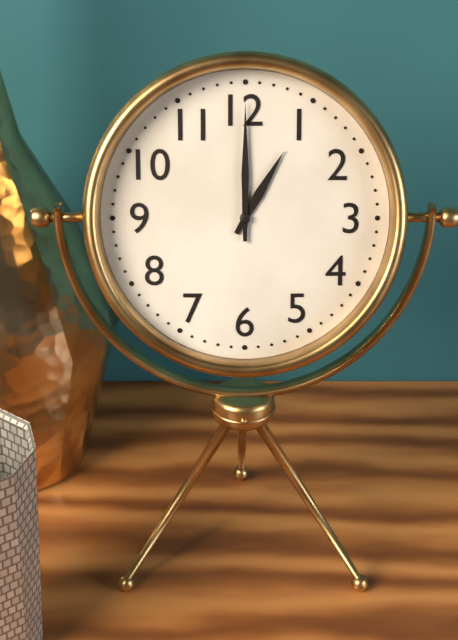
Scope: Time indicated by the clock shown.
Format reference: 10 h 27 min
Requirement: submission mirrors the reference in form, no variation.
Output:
1 h 00 min
